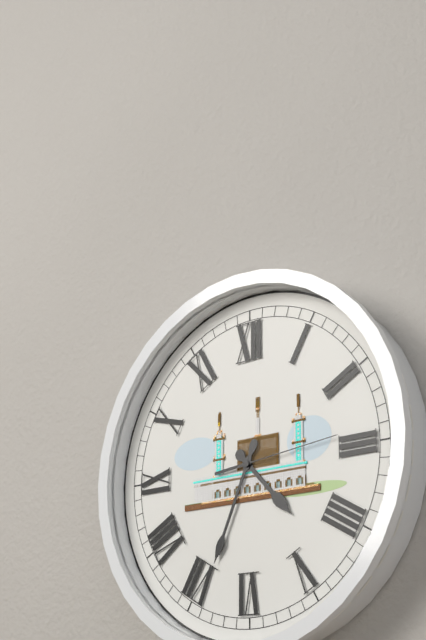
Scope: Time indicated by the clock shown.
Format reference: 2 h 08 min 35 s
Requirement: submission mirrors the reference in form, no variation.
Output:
4 h 34 min 14 s
